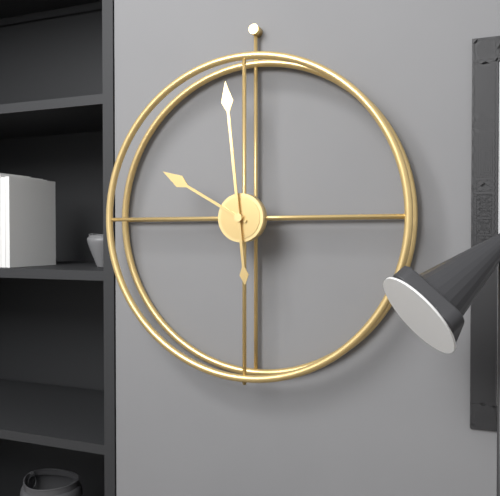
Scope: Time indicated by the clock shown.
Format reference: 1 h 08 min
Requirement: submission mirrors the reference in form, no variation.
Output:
9 h 59 min
